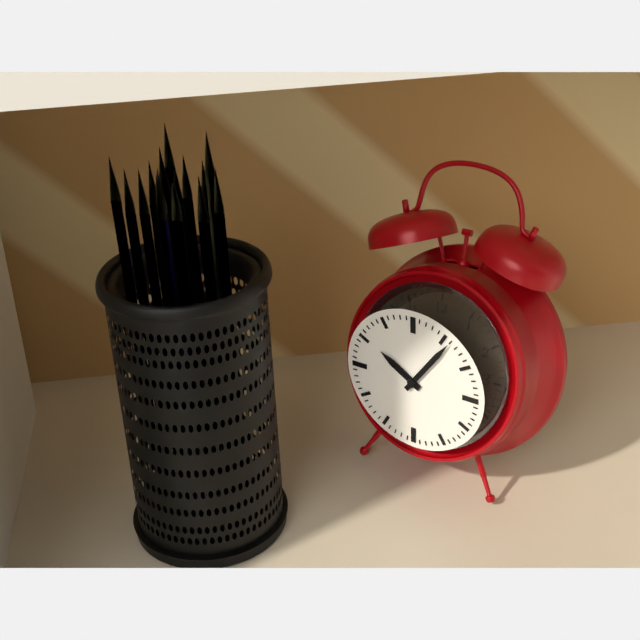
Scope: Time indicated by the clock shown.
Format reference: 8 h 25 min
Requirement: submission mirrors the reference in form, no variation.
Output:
10 h 06 min
